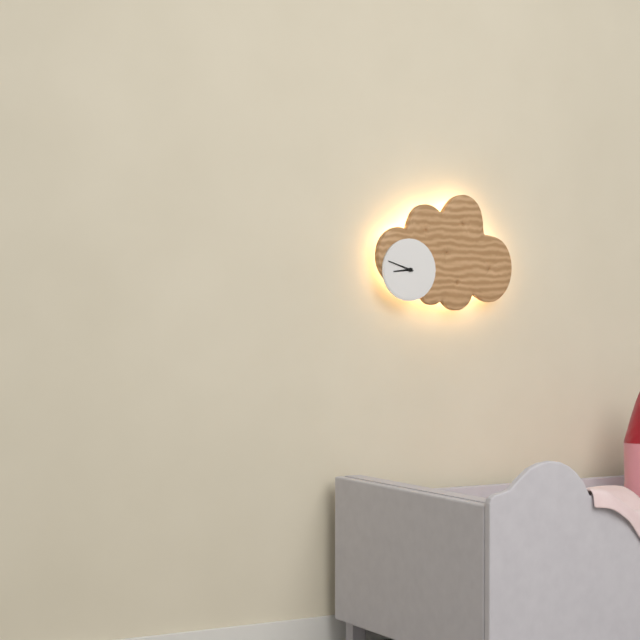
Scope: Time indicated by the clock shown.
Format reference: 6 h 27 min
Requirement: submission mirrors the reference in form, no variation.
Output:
8 h 48 min
